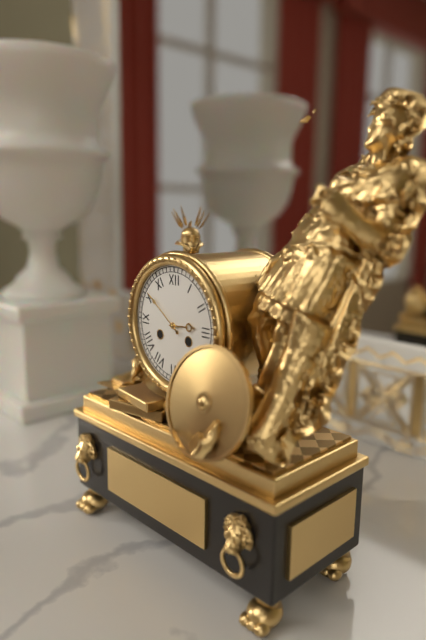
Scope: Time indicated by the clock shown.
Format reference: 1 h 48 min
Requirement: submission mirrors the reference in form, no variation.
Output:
2 h 51 min
